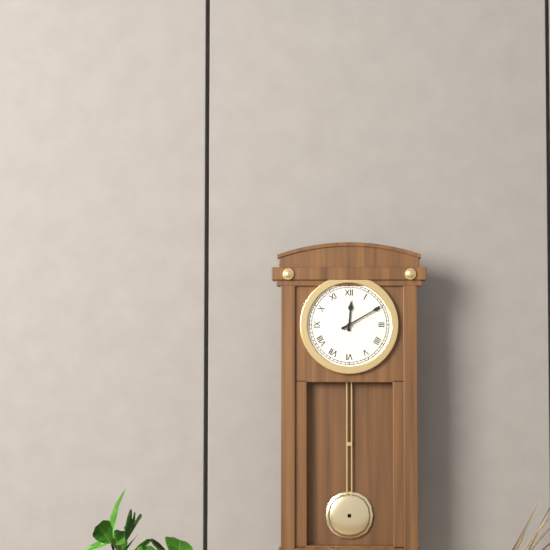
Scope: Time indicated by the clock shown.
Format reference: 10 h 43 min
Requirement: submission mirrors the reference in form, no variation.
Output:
12 h 10 min
